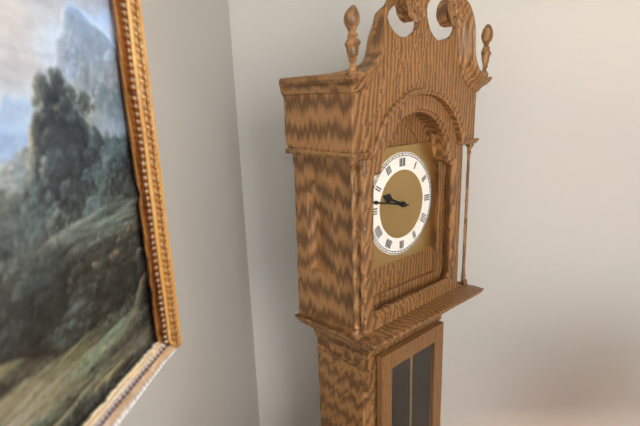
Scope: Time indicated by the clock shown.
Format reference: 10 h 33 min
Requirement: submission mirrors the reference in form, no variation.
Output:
9 h 47 min
